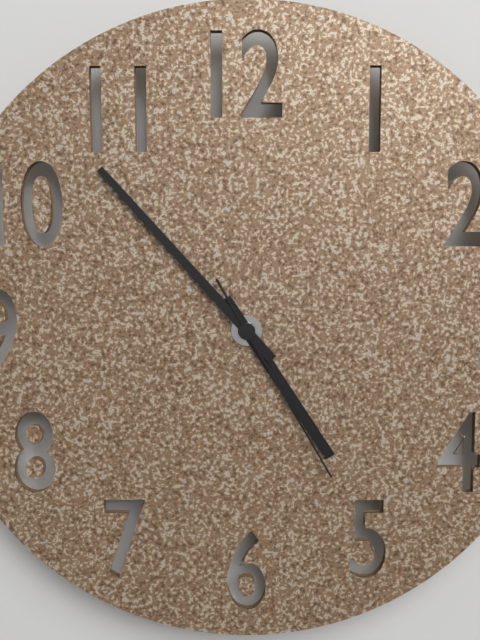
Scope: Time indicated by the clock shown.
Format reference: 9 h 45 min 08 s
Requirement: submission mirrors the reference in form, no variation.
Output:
4 h 53 min 25 s
